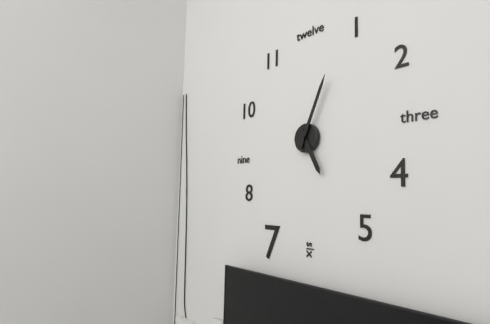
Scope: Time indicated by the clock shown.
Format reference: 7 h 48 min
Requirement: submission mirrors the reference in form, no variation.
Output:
5 h 04 min
